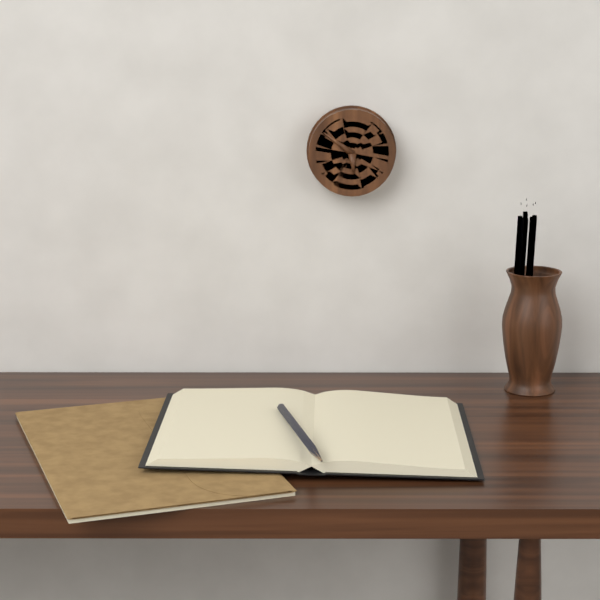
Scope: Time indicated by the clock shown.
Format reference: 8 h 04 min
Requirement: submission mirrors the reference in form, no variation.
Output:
5 h 51 min
